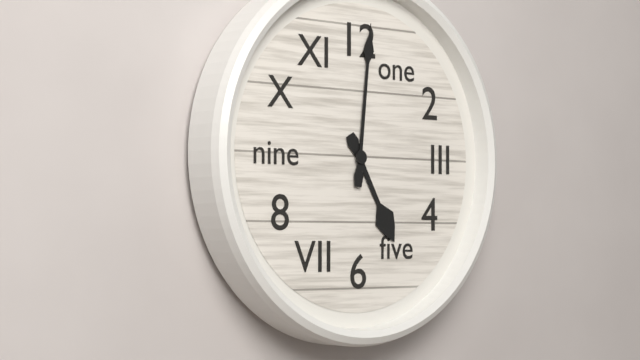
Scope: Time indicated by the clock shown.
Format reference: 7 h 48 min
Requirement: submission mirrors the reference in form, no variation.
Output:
5 h 01 min
